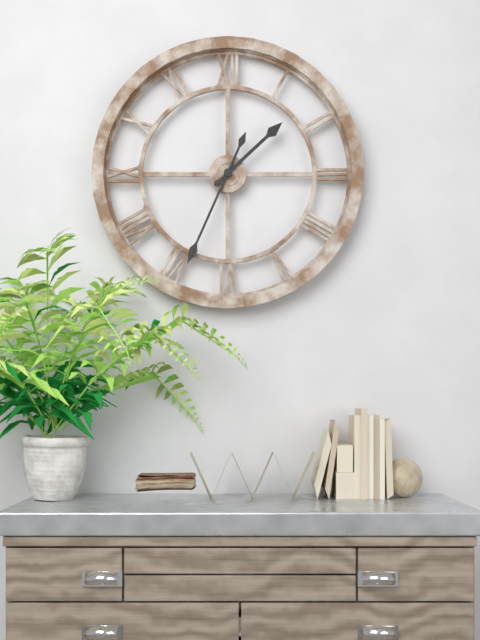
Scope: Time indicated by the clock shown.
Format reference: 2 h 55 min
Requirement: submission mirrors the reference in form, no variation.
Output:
1 h 34 min
